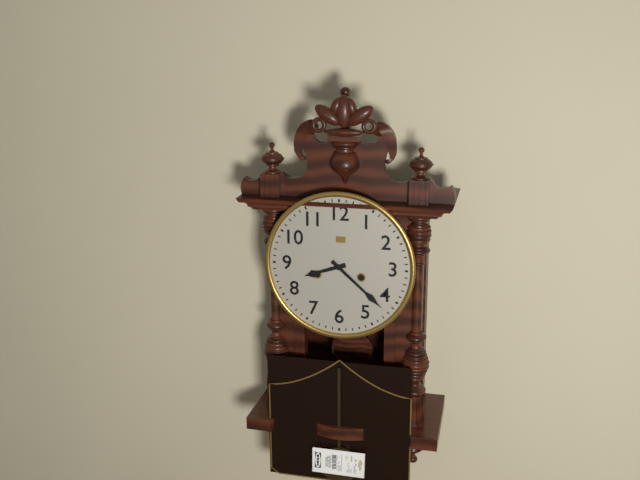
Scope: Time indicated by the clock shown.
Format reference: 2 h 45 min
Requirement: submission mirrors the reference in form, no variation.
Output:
8 h 22 min
